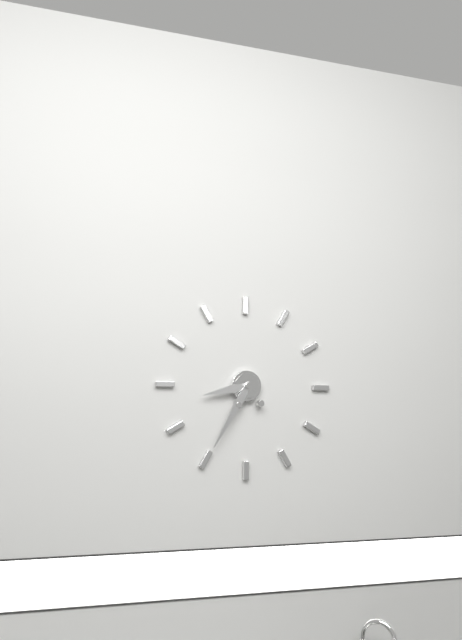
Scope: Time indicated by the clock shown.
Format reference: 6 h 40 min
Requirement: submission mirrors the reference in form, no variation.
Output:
8 h 35 min
